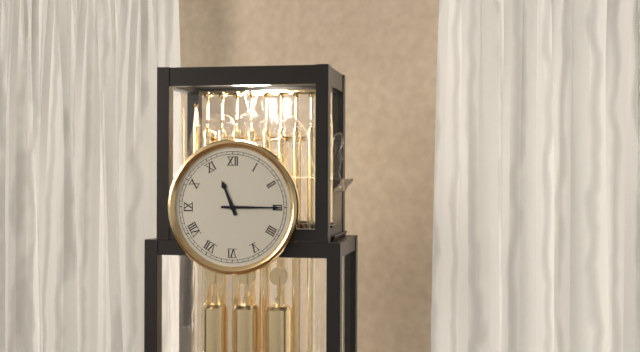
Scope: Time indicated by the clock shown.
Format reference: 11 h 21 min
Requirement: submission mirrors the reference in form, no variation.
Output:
11 h 15 min
